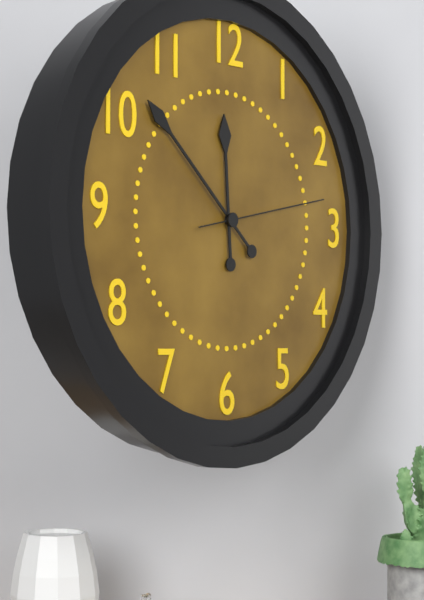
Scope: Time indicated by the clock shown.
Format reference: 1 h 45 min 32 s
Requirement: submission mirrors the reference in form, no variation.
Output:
11 h 52 min 13 s
